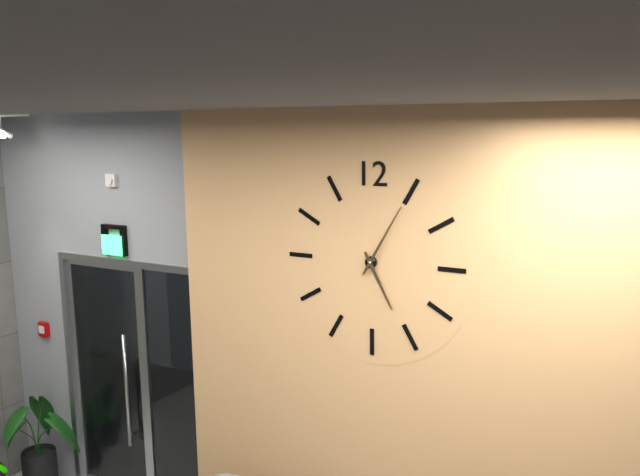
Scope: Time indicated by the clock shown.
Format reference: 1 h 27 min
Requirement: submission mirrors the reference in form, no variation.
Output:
5 h 05 min
